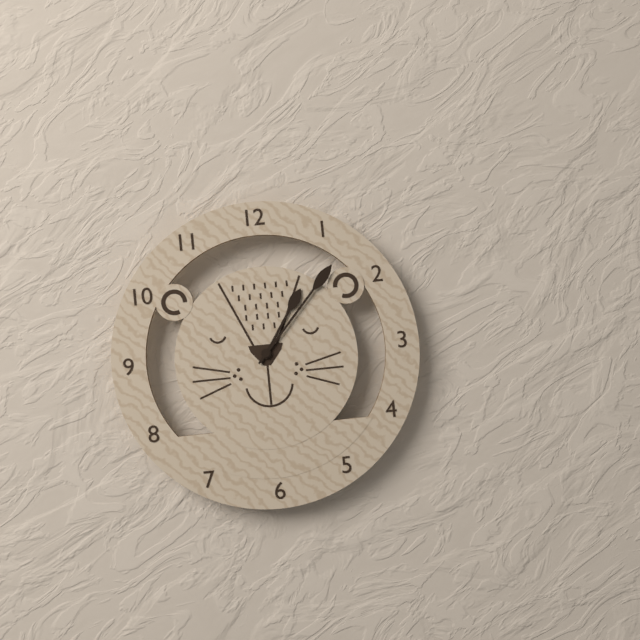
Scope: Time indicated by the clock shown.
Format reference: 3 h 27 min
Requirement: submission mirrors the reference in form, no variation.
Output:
1 h 07 min
